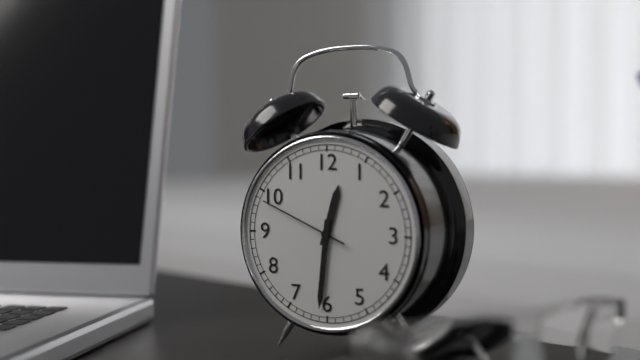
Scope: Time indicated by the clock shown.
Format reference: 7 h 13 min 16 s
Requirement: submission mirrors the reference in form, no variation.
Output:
12 h 31 min 49 s
